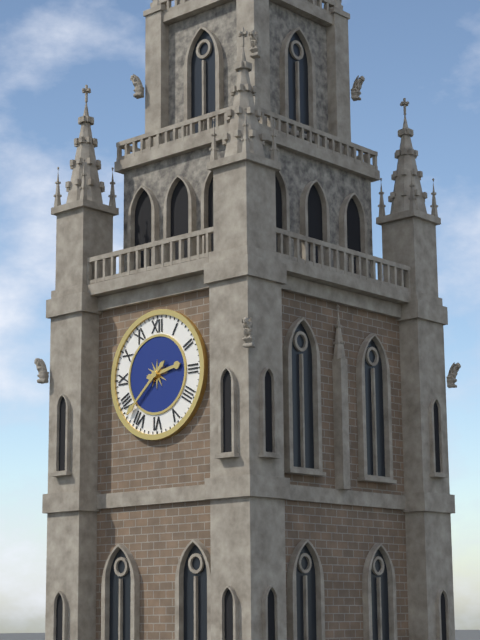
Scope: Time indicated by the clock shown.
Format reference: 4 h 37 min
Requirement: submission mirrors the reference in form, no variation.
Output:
2 h 38 min
